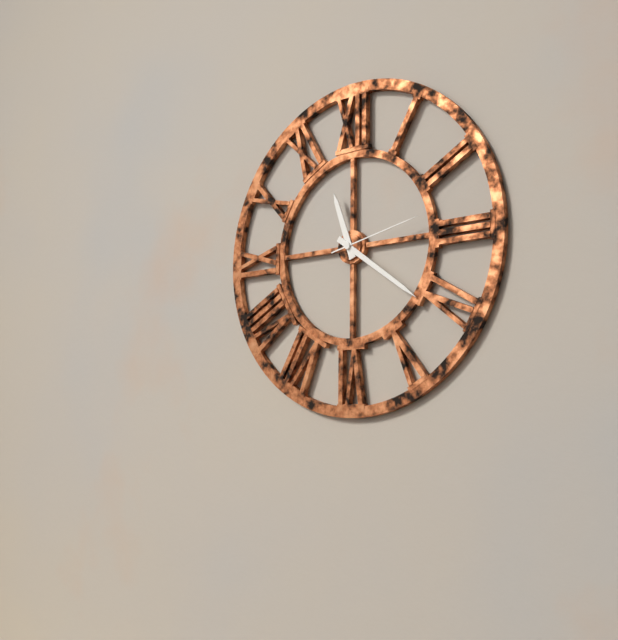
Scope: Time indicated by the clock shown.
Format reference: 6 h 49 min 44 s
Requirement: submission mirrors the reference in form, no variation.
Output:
11 h 21 min 13 s
